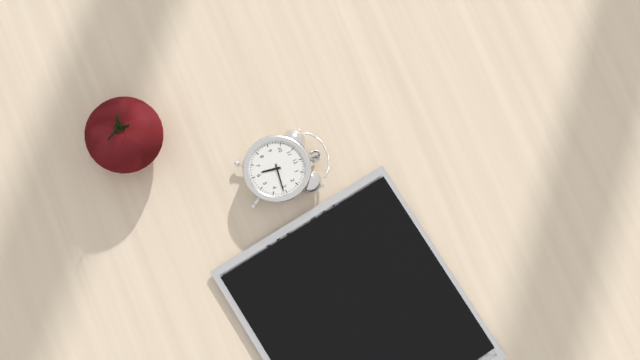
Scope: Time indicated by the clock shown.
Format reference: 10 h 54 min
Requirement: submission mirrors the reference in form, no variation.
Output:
6 h 16 min
